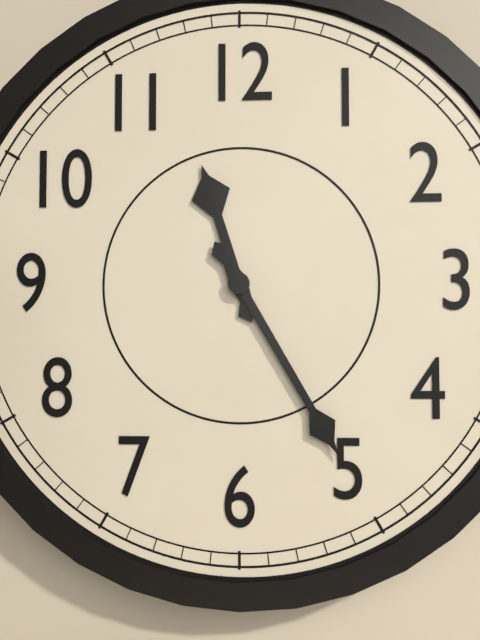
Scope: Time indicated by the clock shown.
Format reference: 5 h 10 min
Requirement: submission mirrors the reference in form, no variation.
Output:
11 h 25 min
